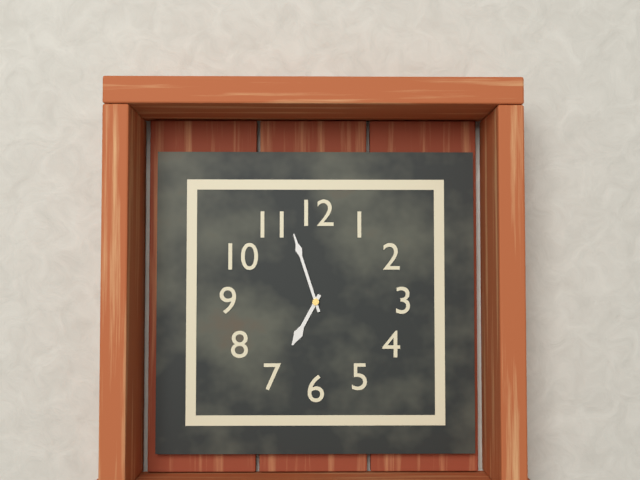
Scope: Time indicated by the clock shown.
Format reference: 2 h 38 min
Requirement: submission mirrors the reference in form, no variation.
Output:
6 h 57 min
